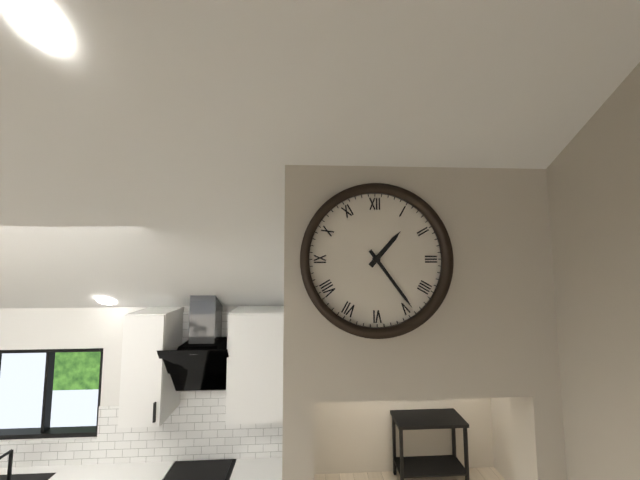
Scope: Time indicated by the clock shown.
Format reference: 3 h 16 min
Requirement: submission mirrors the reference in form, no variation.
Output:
1 h 24 min
